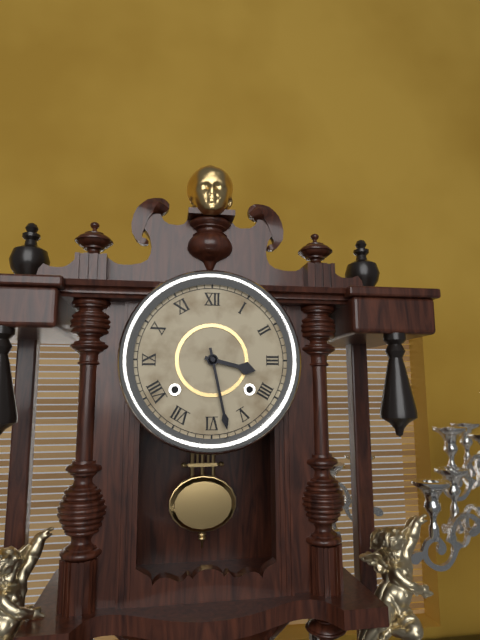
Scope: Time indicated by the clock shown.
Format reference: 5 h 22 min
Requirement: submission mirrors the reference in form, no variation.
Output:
3 h 28 min
